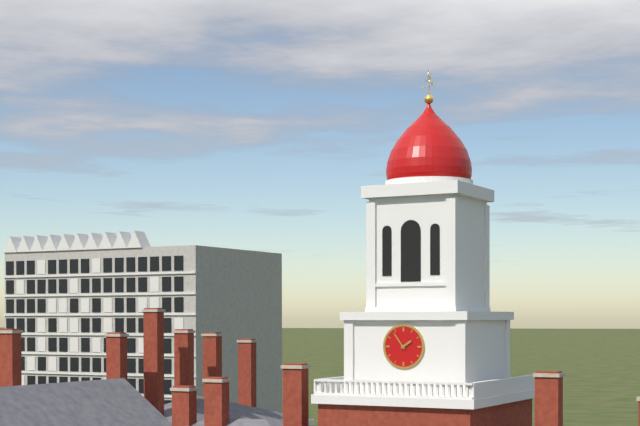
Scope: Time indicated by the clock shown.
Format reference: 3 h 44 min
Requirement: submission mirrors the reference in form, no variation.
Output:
1 h 54 min
